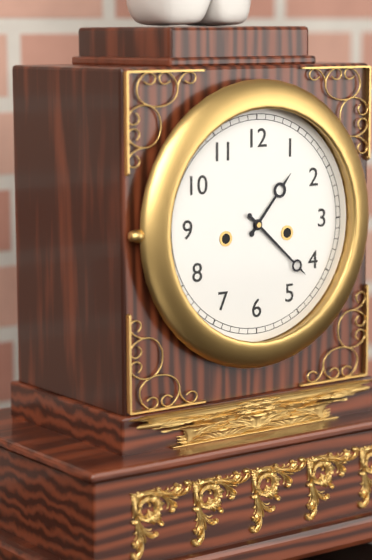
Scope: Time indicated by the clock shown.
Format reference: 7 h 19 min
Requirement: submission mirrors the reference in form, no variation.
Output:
1 h 22 min
